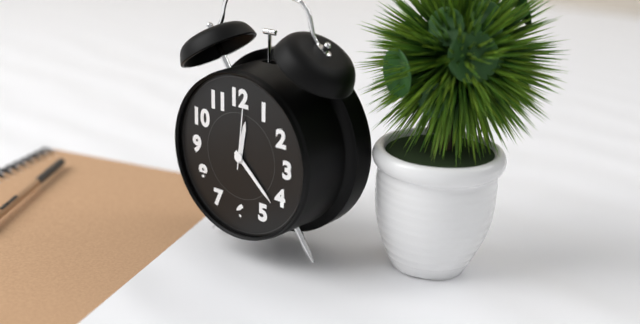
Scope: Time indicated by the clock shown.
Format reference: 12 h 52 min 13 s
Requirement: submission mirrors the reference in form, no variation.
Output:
12 h 22 min 01 s
